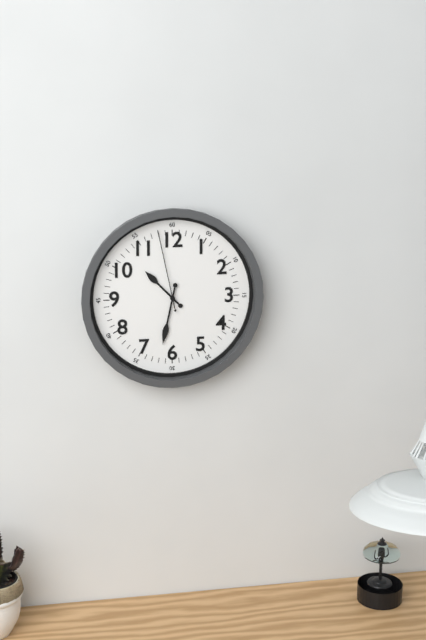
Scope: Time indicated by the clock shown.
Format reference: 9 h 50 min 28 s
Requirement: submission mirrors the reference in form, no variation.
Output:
10 h 32 min 58 s
